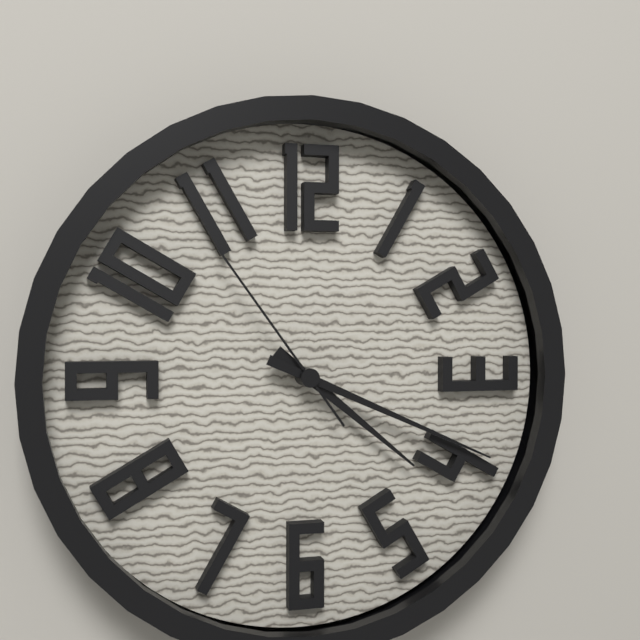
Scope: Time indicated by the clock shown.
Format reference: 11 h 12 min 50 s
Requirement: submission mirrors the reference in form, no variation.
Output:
4 h 19 min 54 s
